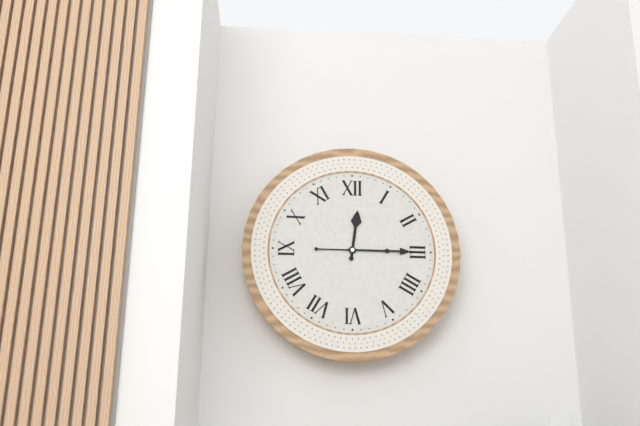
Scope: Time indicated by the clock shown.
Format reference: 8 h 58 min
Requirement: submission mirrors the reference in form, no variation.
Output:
12 h 15 min
